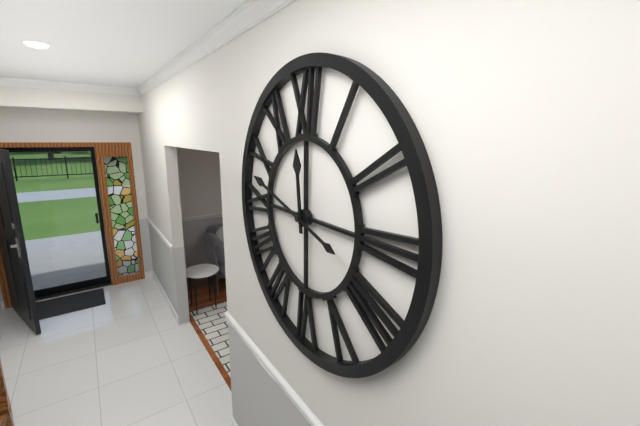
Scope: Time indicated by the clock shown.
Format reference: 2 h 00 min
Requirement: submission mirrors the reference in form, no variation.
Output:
11 h 48 min
